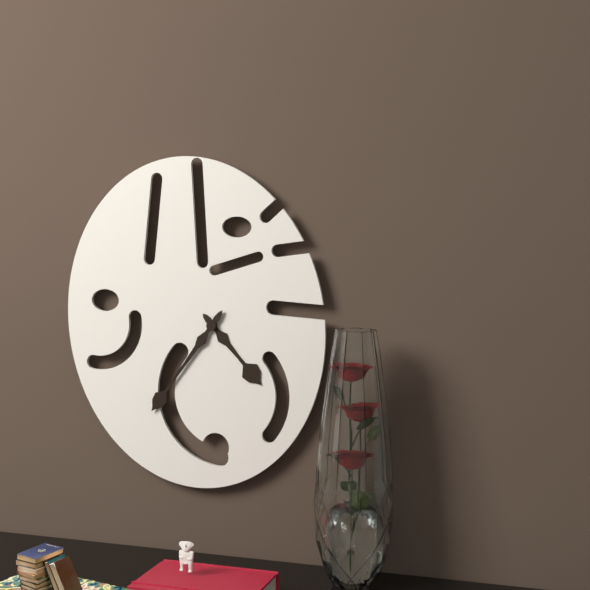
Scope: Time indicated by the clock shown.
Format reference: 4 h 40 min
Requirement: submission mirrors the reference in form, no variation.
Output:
4 h 36 min
